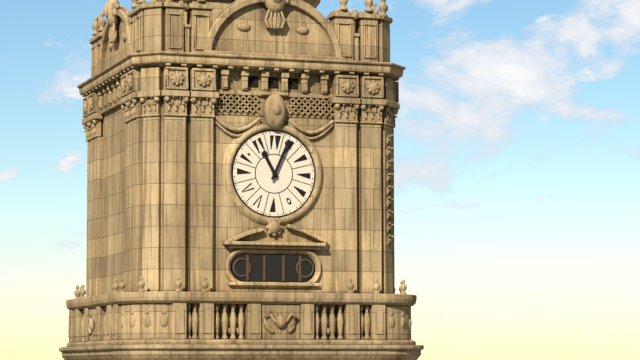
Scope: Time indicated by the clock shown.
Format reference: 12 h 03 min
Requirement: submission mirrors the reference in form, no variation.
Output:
11 h 04 min
